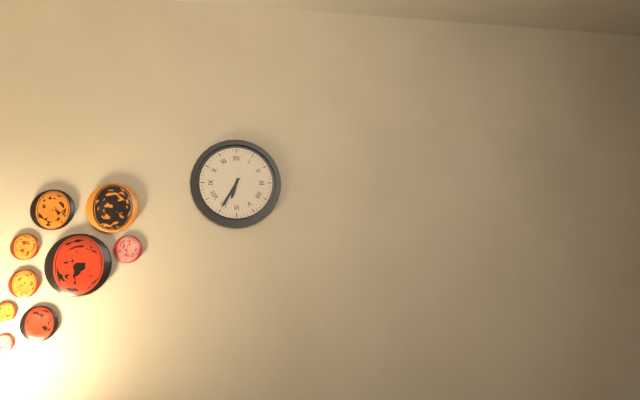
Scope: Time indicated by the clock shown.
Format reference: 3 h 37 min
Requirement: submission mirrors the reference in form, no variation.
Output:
6 h 35 min
